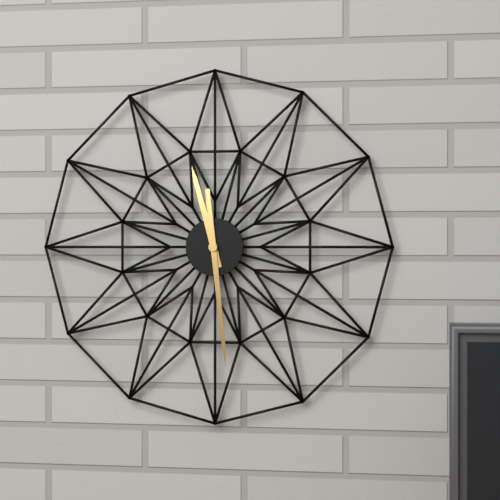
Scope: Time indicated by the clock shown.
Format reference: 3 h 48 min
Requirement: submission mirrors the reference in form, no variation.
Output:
11 h 29 min
